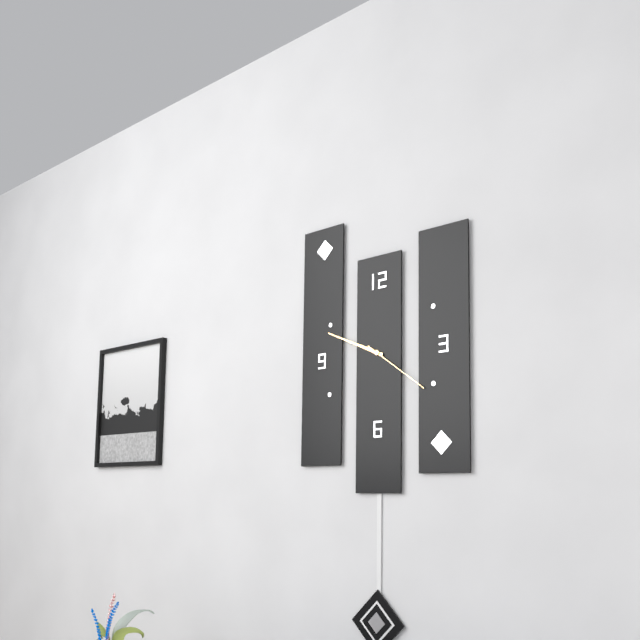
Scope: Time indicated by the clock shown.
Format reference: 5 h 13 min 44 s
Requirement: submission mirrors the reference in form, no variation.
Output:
9 h 49 min 21 s
